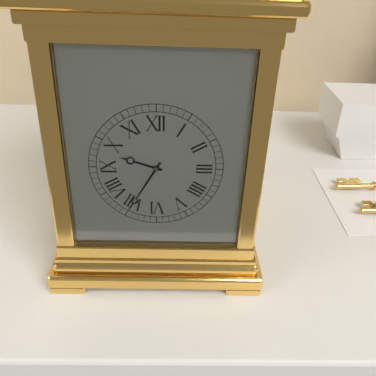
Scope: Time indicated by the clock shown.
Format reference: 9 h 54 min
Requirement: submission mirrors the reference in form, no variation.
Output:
9 h 35 min
